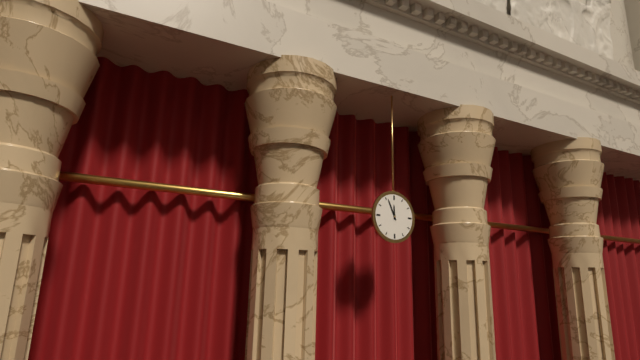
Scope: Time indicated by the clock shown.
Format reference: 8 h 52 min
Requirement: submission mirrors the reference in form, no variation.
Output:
11 h 56 min
